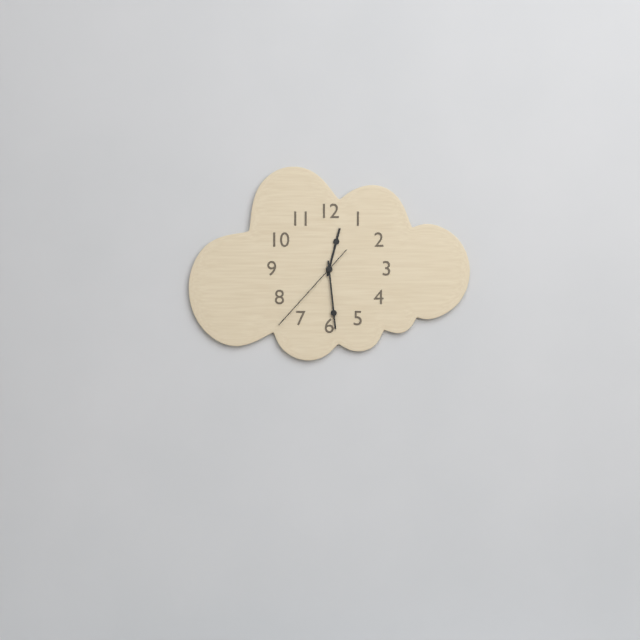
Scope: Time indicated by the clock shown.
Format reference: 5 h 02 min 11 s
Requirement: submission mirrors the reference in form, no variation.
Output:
12 h 29 min 37 s
